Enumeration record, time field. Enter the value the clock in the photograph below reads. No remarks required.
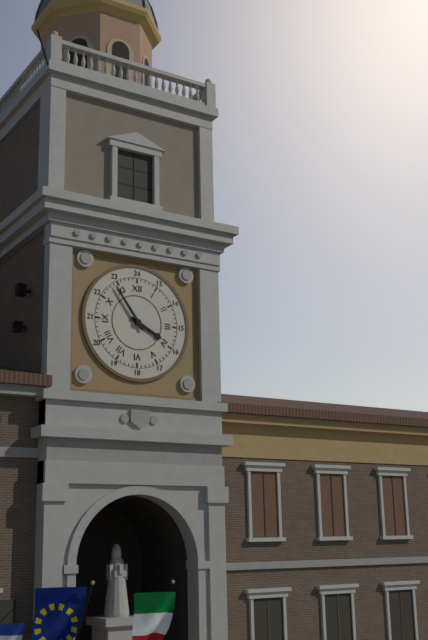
3:54
